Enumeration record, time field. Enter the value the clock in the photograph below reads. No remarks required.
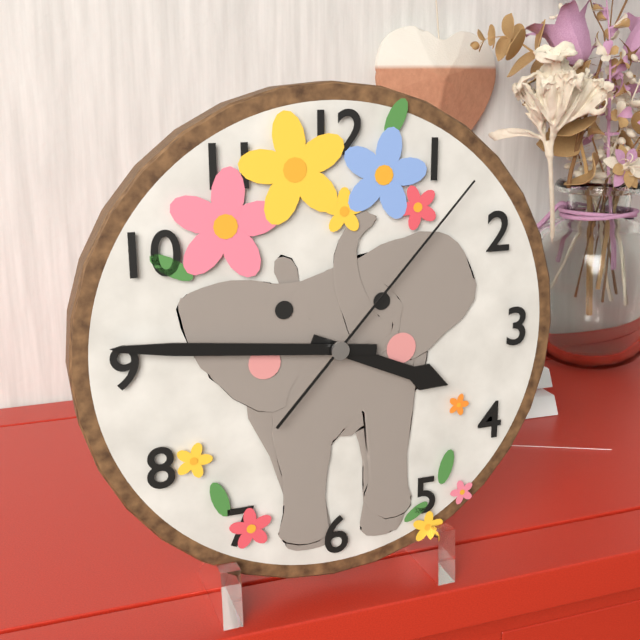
3:46:07
